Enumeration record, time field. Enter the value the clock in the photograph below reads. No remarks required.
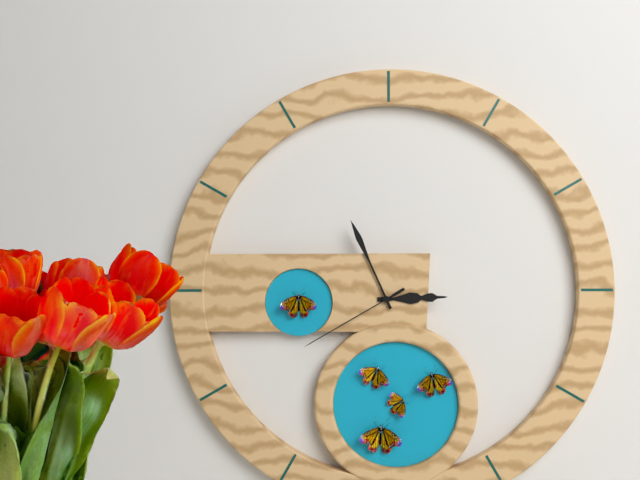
2:56:40
